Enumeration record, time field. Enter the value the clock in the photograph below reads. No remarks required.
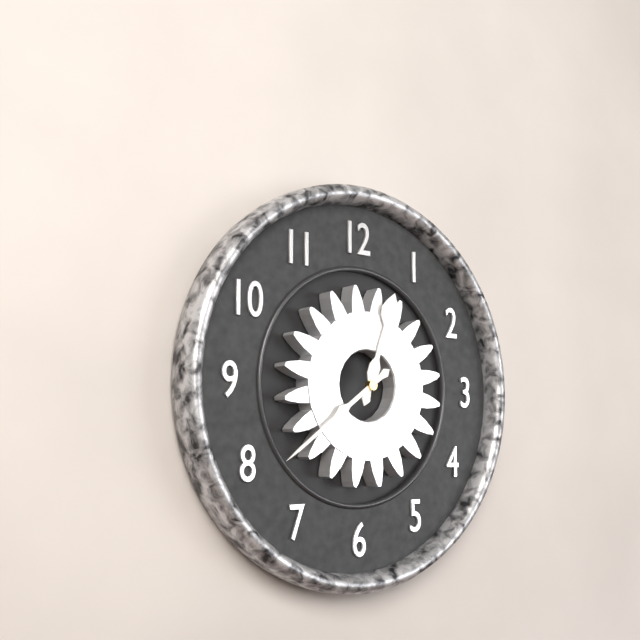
12:39
